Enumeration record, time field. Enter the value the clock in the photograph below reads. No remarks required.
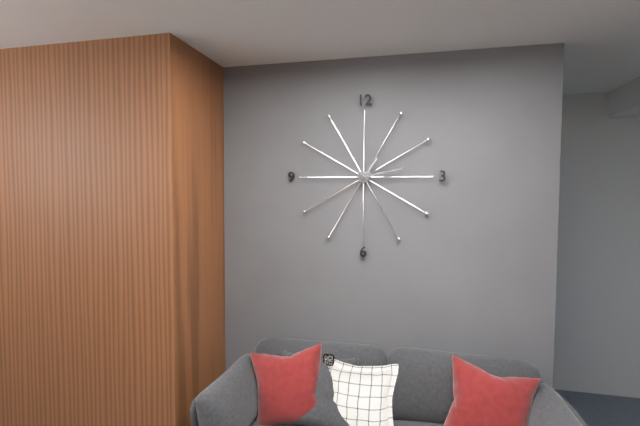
1:13
